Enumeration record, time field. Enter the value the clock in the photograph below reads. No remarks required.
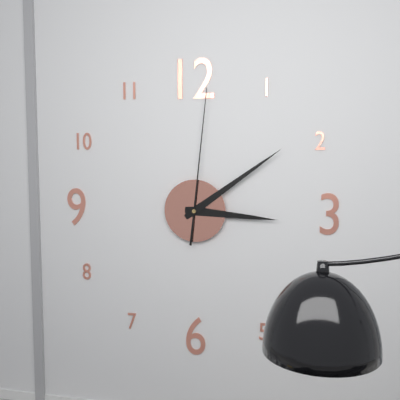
3:09:01
